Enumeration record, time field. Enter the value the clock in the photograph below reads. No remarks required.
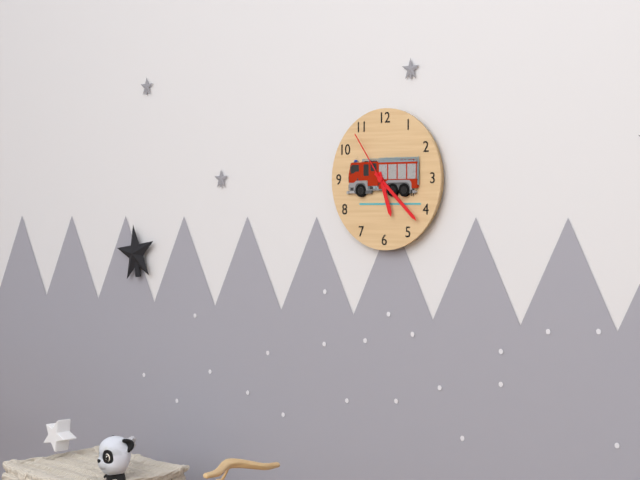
5:22:54
